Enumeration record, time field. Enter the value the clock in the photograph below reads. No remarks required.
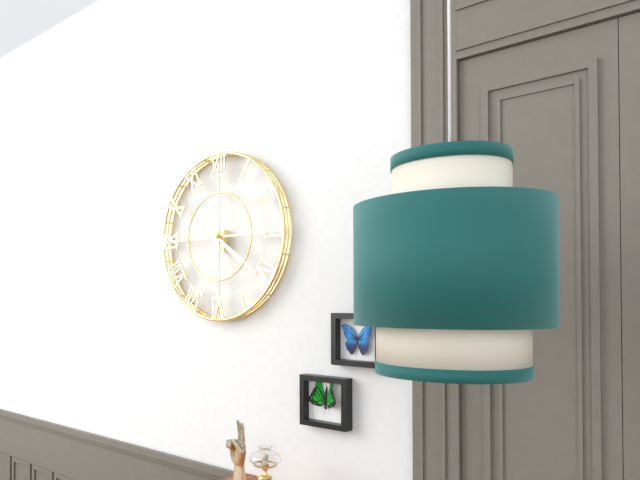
4:21
